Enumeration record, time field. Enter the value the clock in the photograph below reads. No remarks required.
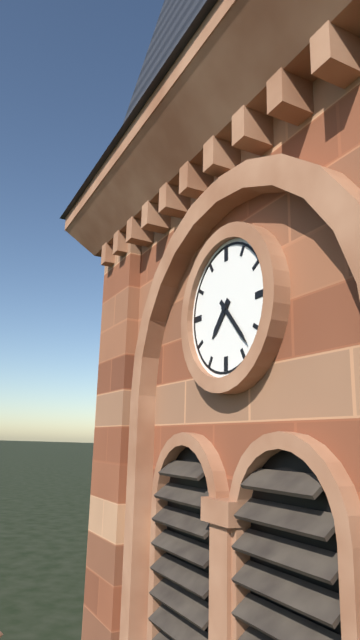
7:23
